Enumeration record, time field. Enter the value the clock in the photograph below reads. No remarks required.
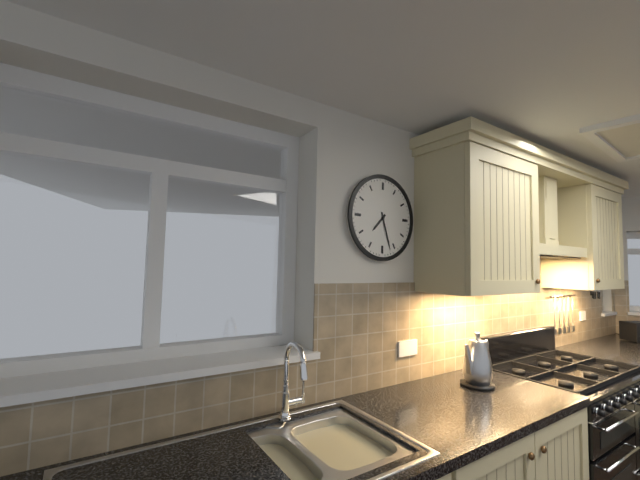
7:27
